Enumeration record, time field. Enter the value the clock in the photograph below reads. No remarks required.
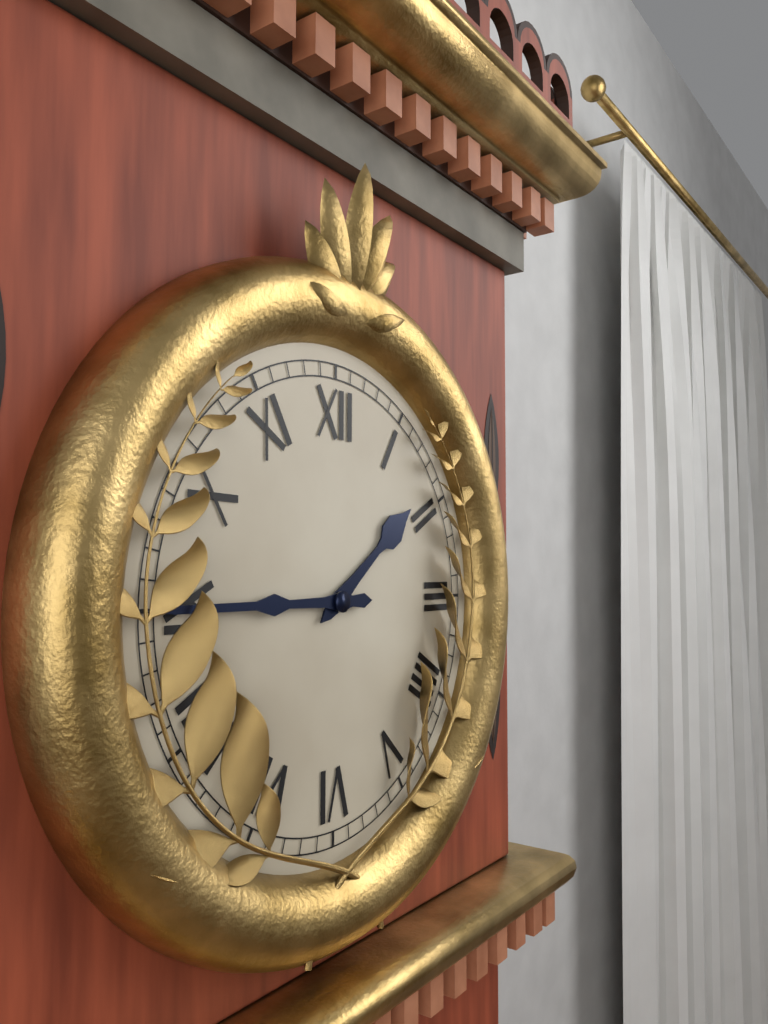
1:45
